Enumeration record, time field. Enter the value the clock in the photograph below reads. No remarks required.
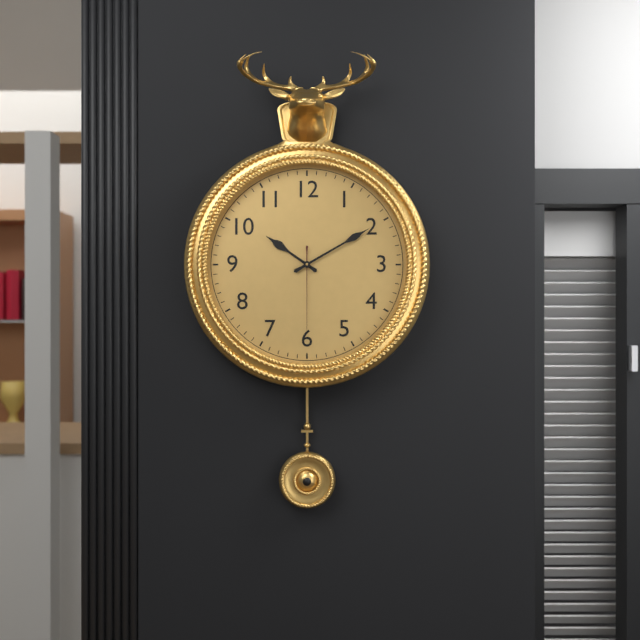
10:10:30
